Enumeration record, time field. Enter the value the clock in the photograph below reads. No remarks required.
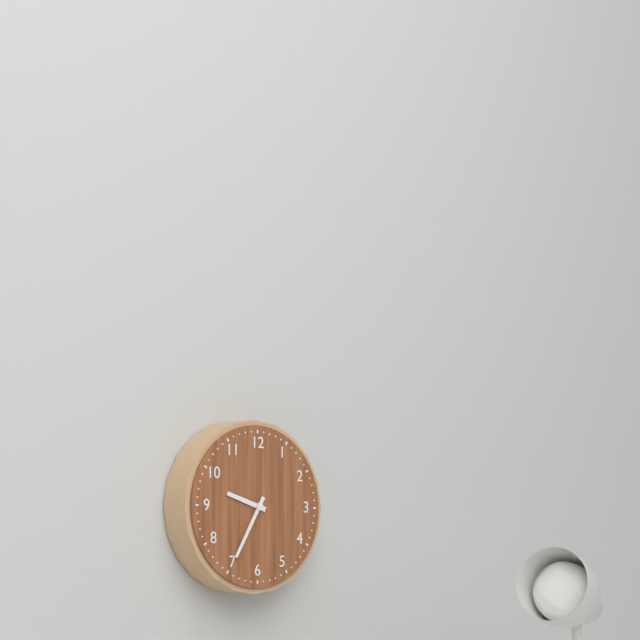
9:35
